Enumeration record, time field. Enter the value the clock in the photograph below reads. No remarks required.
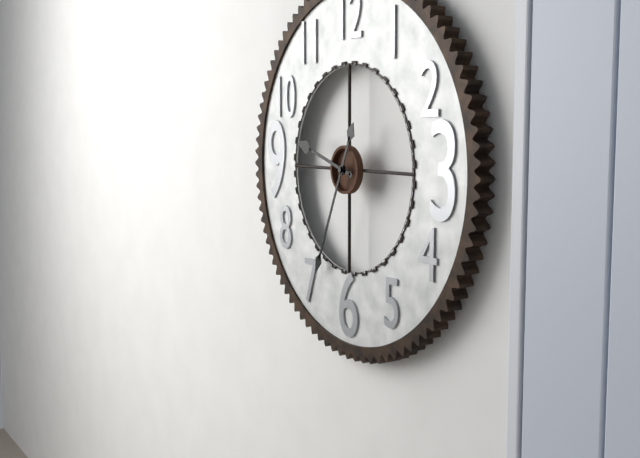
9:34
